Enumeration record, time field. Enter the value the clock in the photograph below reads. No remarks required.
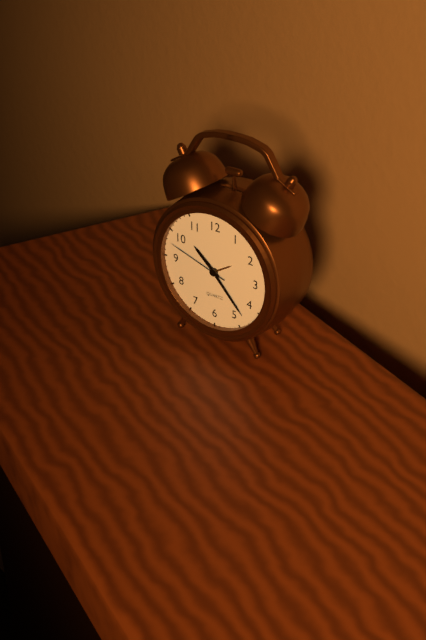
10:23:48
